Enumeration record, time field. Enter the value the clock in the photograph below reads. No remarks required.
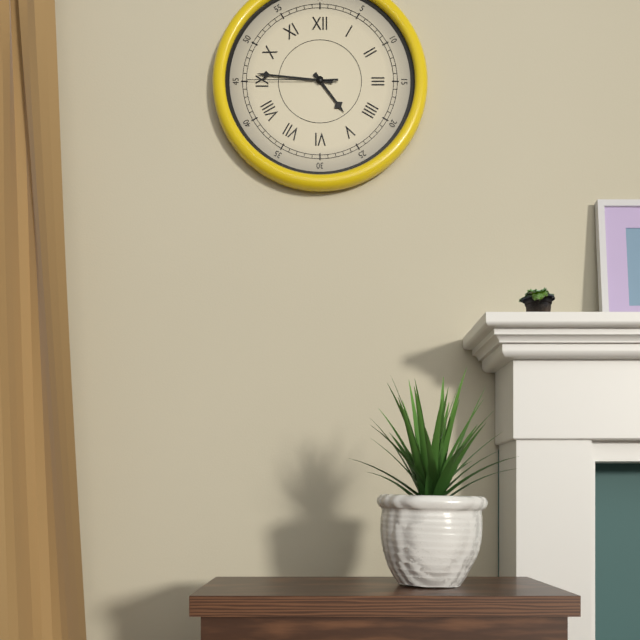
4:46:45
